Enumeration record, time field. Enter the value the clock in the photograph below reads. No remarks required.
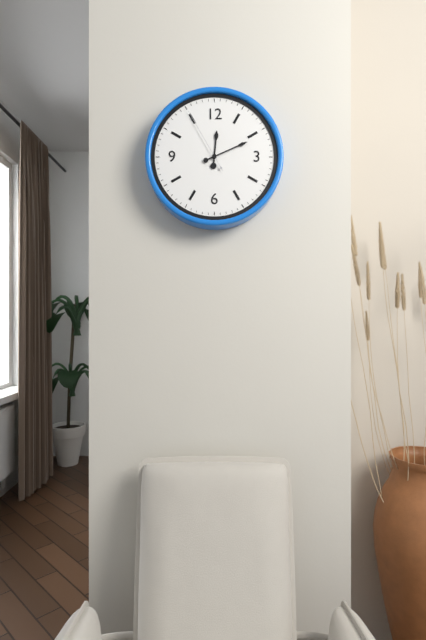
12:11:55
